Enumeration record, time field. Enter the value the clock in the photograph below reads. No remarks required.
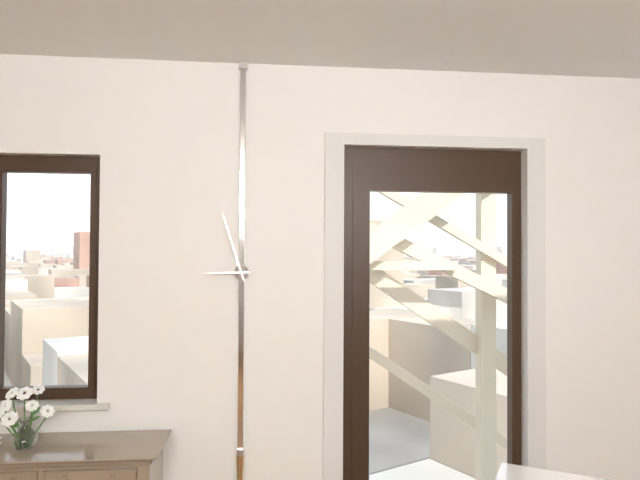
8:57
